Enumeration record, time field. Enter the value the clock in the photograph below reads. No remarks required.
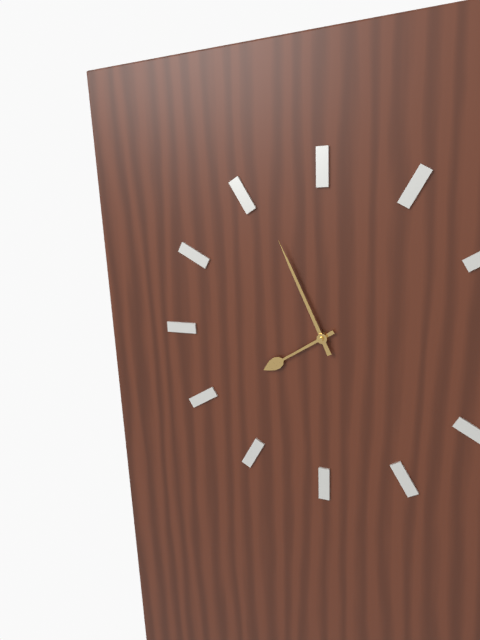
7:56
